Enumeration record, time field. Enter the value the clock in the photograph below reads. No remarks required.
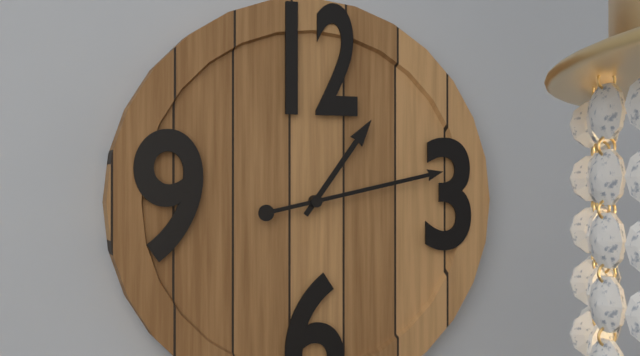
1:13
